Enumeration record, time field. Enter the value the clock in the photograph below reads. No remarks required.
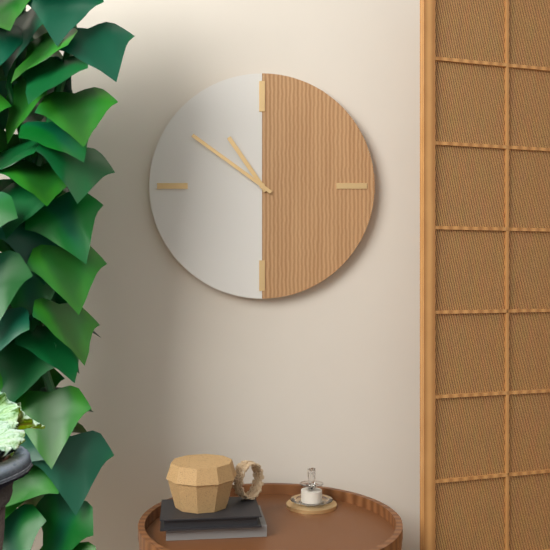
10:51
